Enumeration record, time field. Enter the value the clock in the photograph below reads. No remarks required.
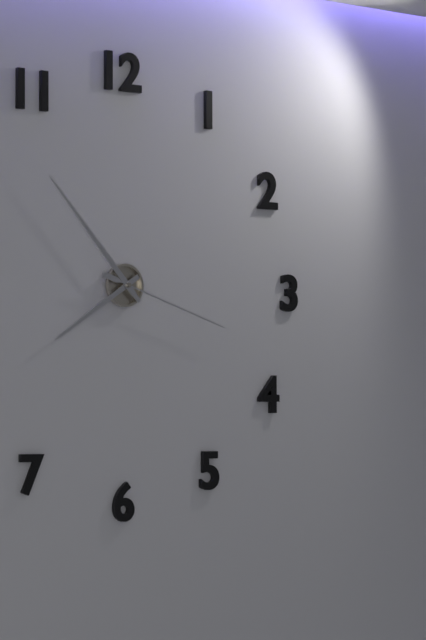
7:53:18
